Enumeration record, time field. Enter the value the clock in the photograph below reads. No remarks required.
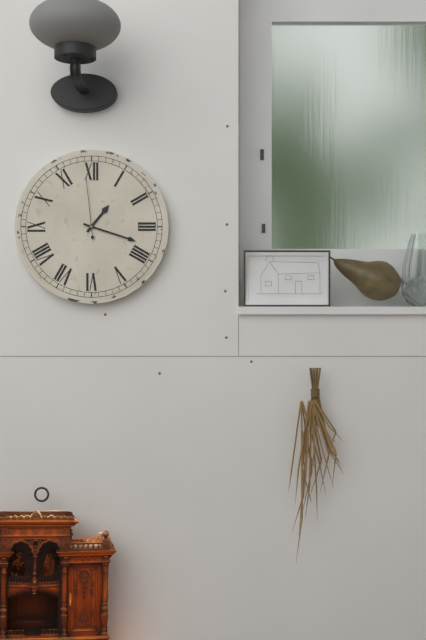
1:18:59
